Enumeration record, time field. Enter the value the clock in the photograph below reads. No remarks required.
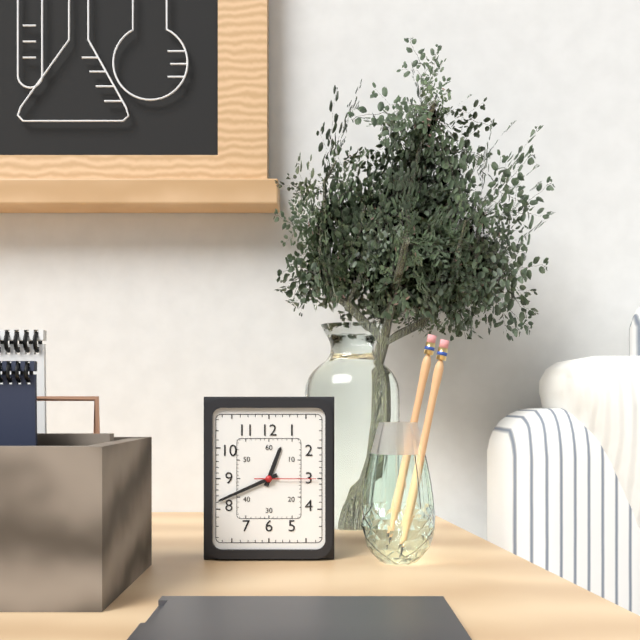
12:41:15
